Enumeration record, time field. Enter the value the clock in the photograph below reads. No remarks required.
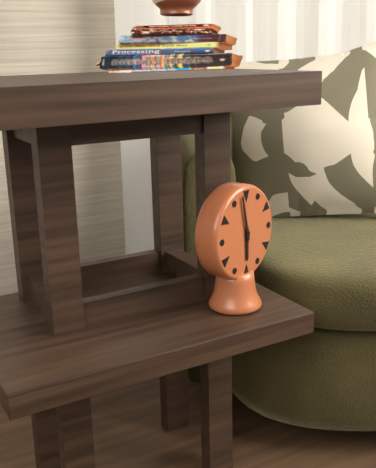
5:58
